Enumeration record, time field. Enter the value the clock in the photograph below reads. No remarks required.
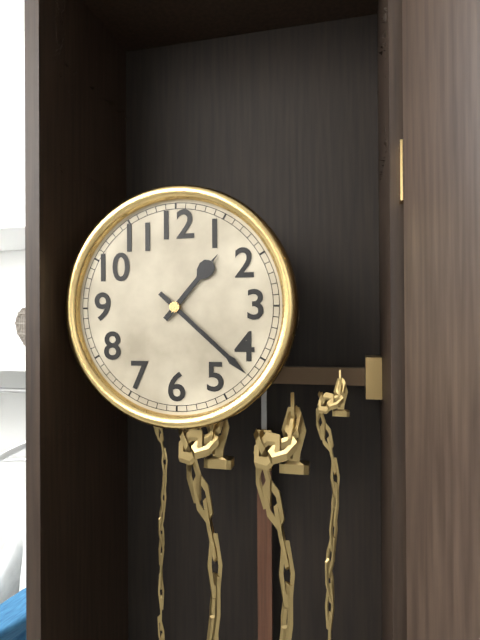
1:22
